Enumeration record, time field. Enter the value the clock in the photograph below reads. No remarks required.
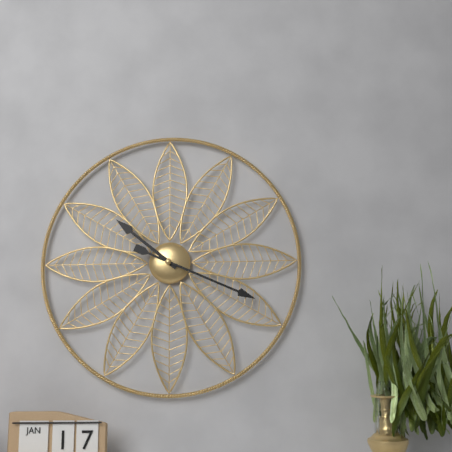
10:19
